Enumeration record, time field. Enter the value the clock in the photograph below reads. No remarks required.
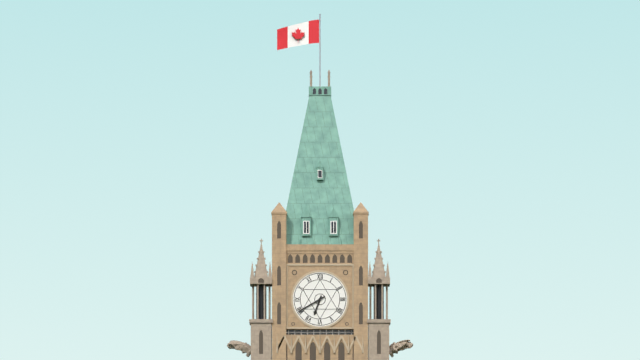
6:40
